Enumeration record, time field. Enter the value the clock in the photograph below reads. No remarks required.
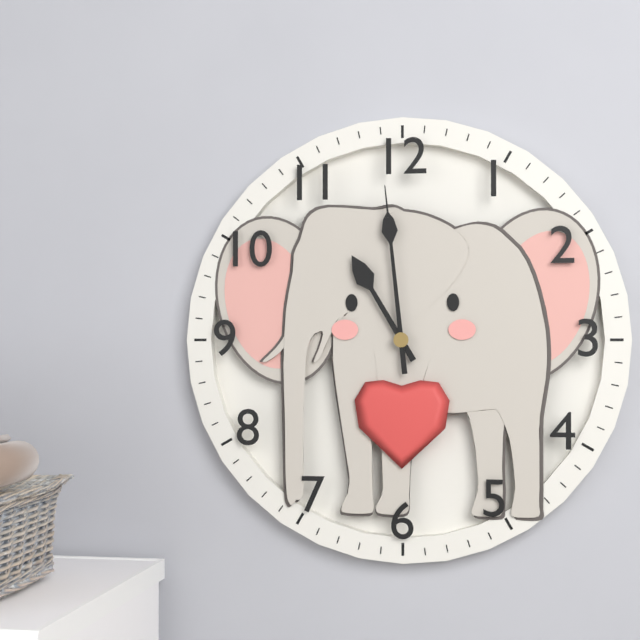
10:59
